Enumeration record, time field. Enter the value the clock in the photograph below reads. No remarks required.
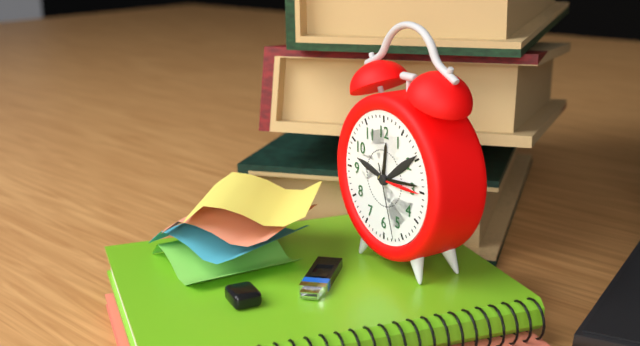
12:14:27
